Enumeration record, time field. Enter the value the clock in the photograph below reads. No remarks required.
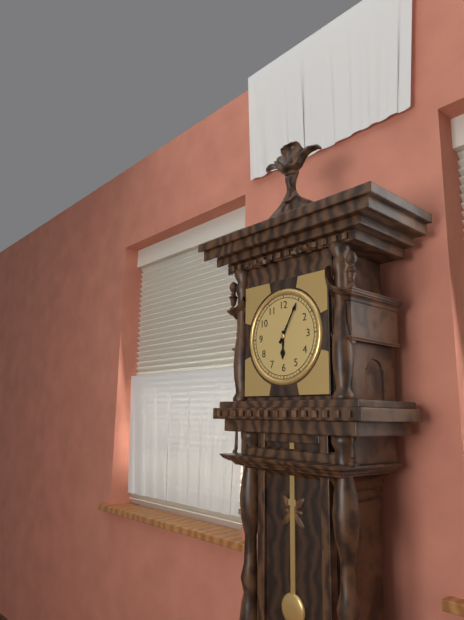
6:05
